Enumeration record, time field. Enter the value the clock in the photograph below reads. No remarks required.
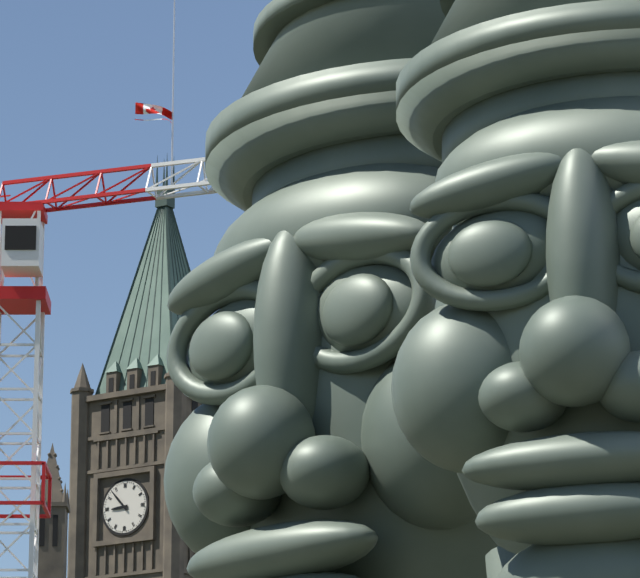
8:53
